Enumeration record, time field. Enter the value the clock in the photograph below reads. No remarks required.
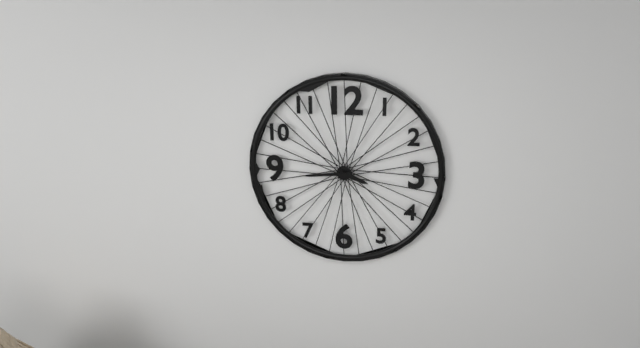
3:44
